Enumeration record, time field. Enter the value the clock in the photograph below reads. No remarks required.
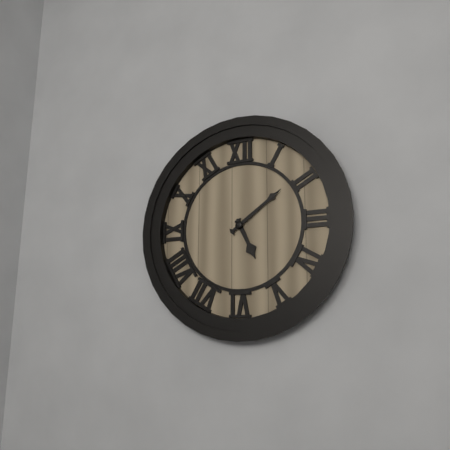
5:09
